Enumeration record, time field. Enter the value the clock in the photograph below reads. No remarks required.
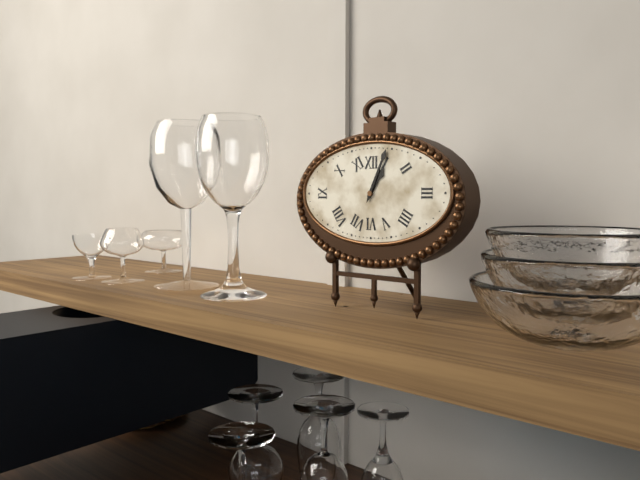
1:04
